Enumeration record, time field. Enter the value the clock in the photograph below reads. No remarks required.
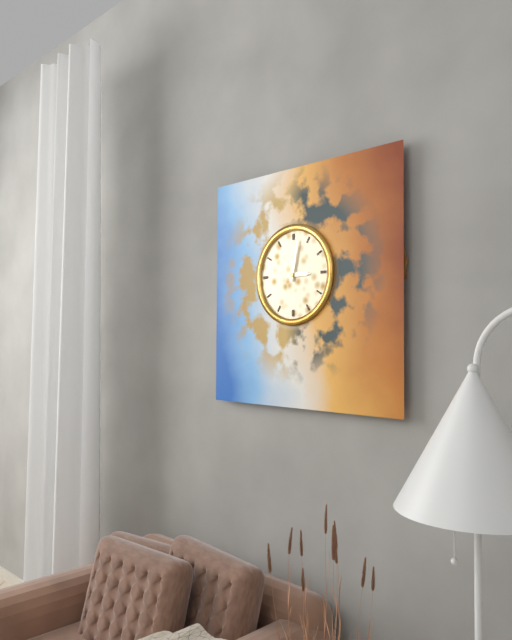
3:02
